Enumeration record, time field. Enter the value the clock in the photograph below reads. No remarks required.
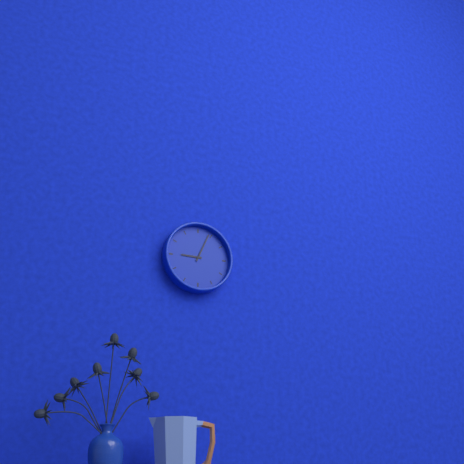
9:04
